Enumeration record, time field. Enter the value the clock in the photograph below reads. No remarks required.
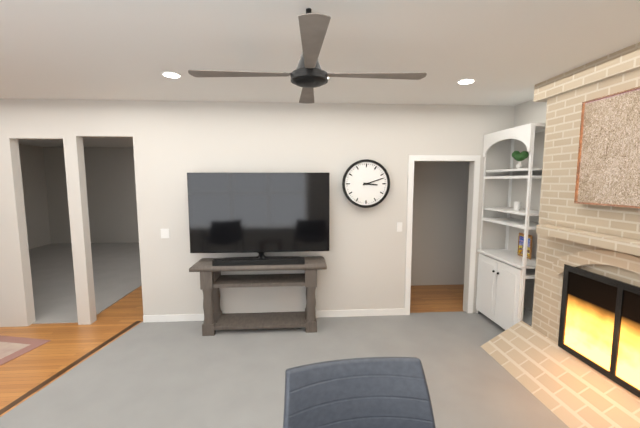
3:12
